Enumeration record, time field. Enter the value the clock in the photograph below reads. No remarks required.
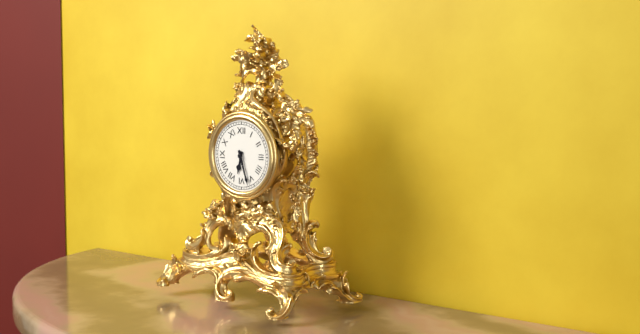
6:27
